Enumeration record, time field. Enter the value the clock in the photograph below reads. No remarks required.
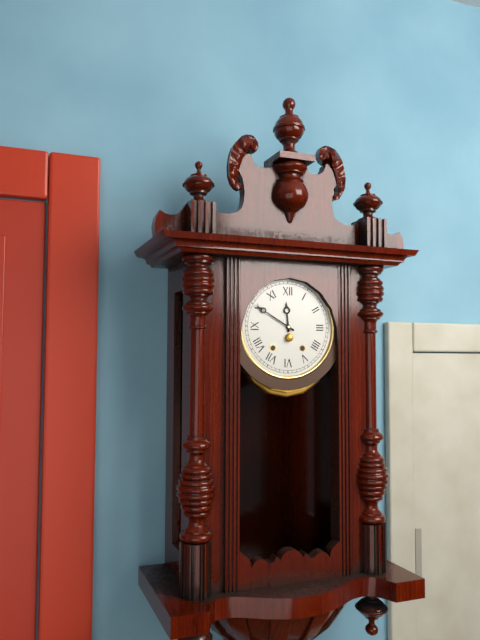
11:50
